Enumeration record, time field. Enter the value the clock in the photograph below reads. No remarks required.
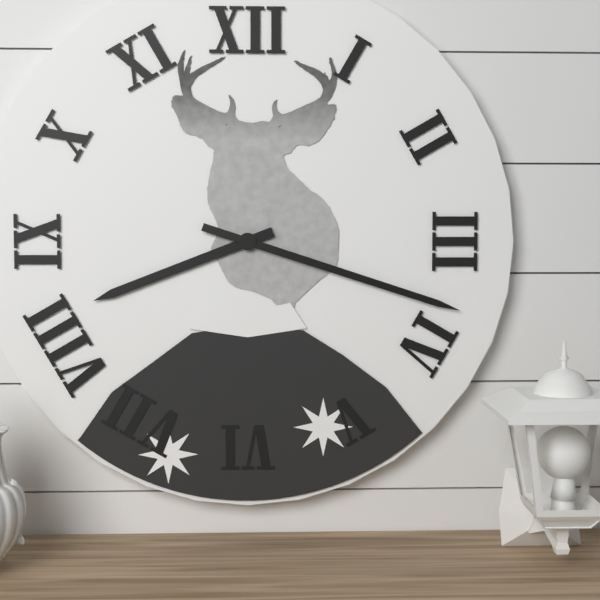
8:18
